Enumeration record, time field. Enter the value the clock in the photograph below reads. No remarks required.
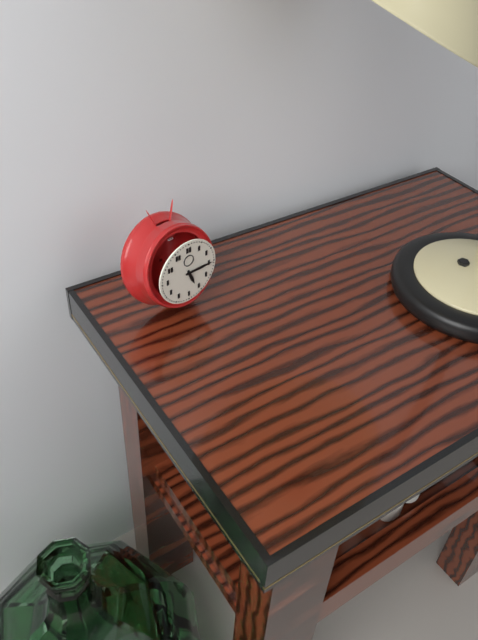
5:15
